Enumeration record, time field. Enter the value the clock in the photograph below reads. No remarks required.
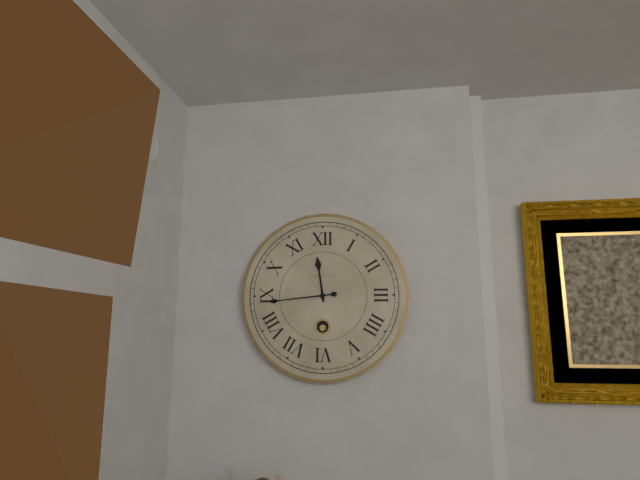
11:44
